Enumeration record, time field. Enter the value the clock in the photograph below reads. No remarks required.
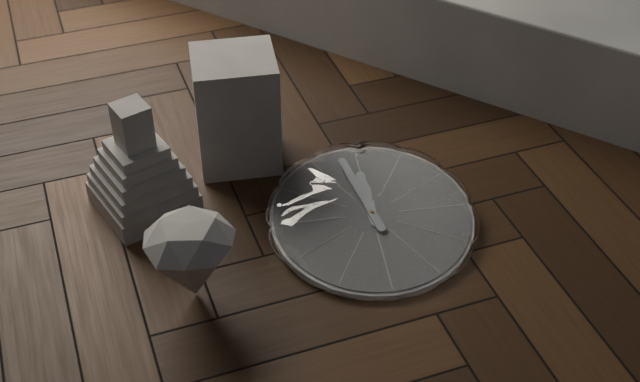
11:58
